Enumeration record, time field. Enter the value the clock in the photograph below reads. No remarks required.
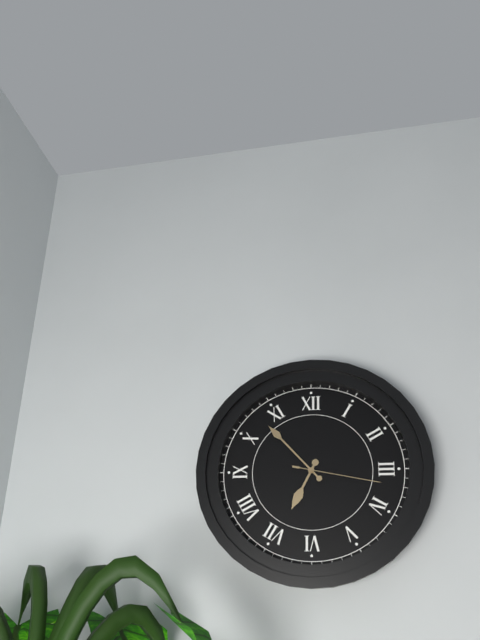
6:53:17
